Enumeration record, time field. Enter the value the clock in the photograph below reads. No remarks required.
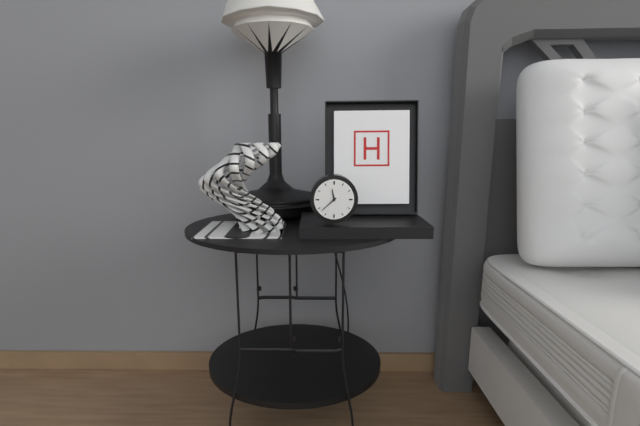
11:38
